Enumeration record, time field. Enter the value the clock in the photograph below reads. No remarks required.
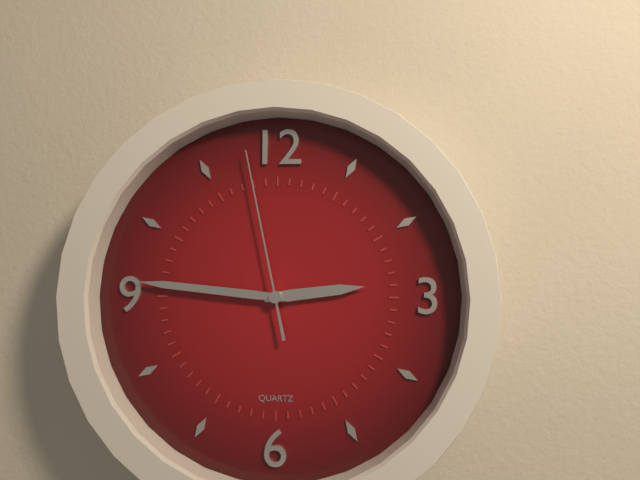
2:46:58
